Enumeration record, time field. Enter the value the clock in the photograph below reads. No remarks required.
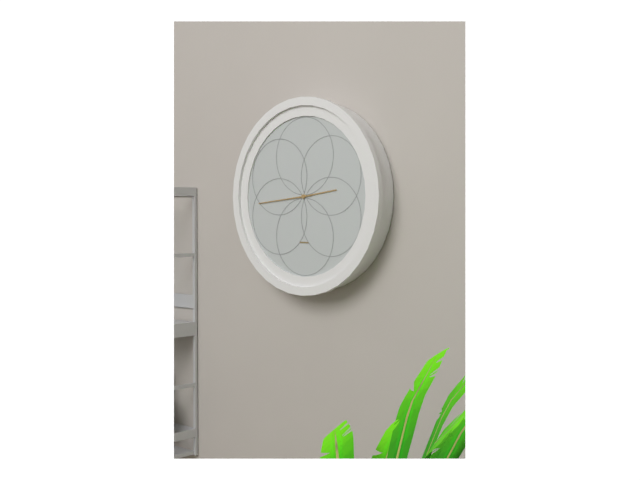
2:44
